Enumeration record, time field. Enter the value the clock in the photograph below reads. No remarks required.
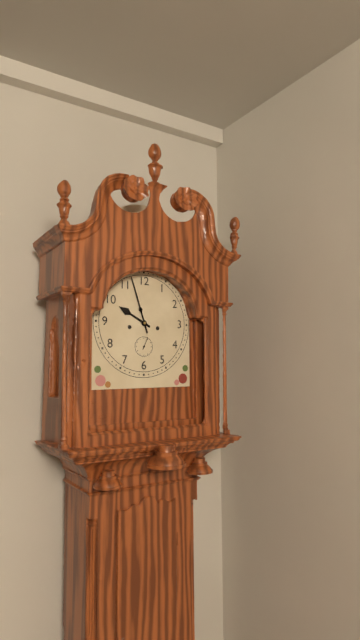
9:57
